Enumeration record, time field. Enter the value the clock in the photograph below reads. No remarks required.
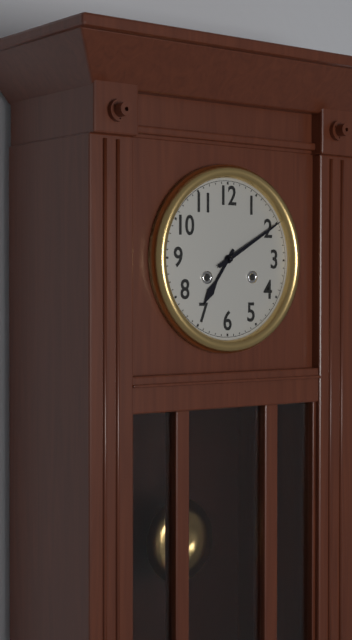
7:10
